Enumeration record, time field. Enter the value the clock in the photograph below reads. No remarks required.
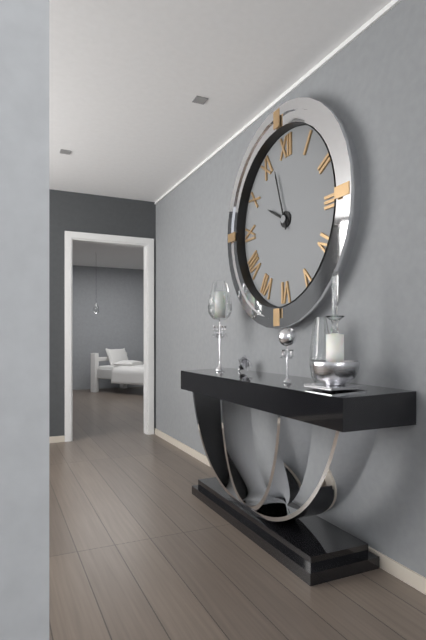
9:57
